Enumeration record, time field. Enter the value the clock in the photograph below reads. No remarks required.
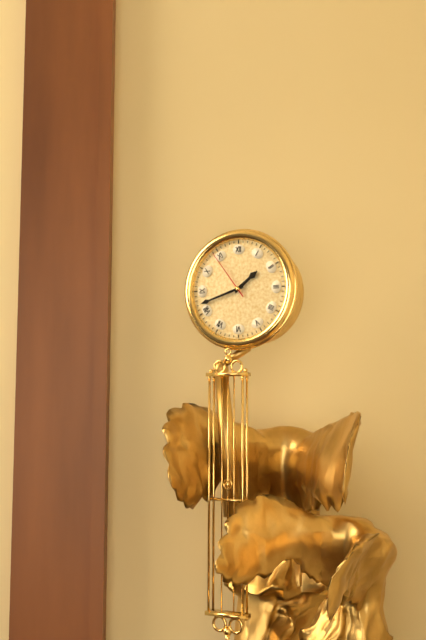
1:42:54
